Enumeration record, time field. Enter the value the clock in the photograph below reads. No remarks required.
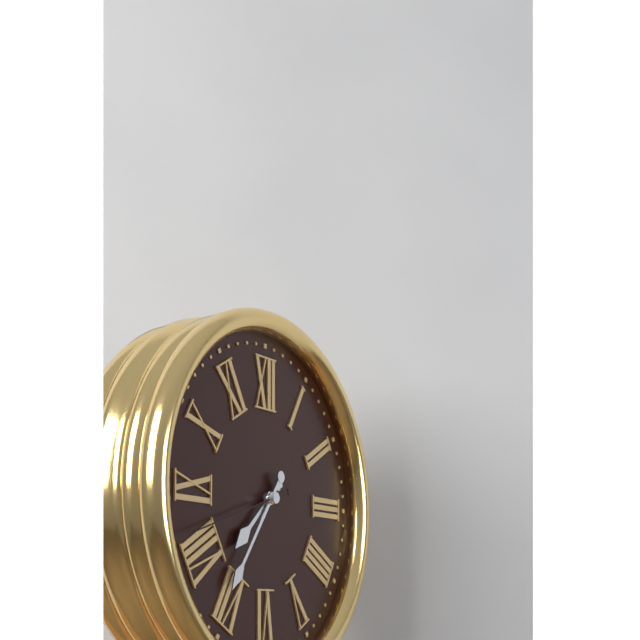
7:36:42
